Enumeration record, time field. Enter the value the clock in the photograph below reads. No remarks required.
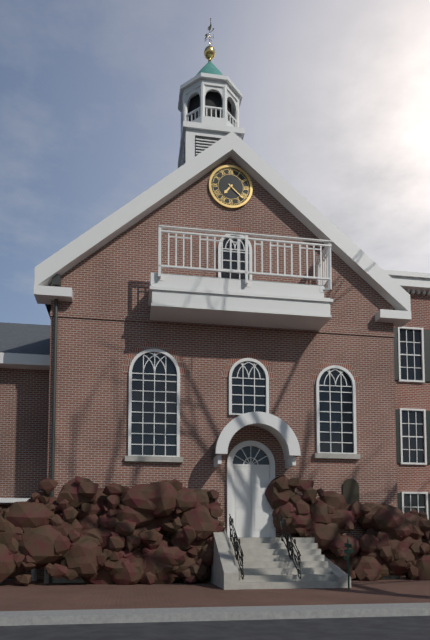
7:22
